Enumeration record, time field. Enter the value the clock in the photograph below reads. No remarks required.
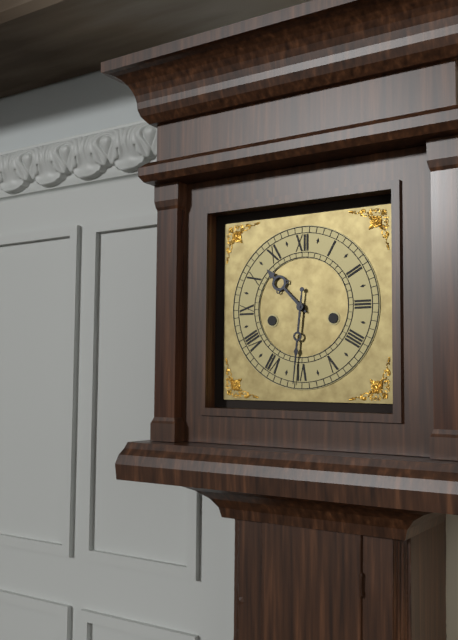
10:31
